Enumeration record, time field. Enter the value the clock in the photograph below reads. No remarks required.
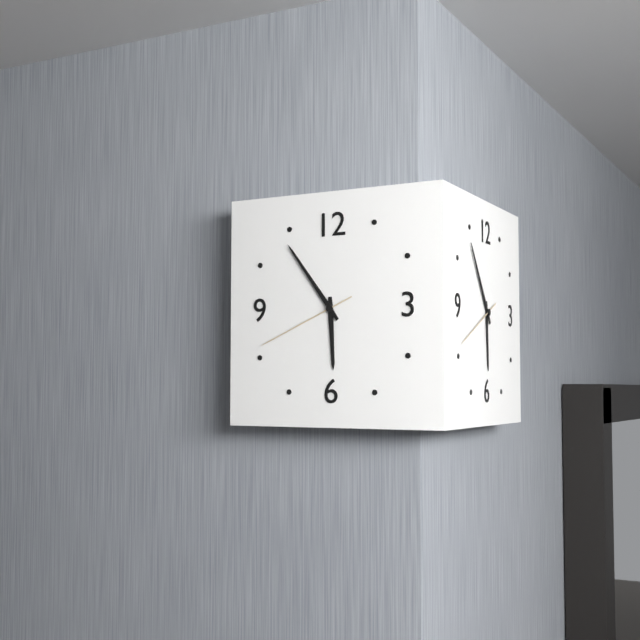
5:54:41
